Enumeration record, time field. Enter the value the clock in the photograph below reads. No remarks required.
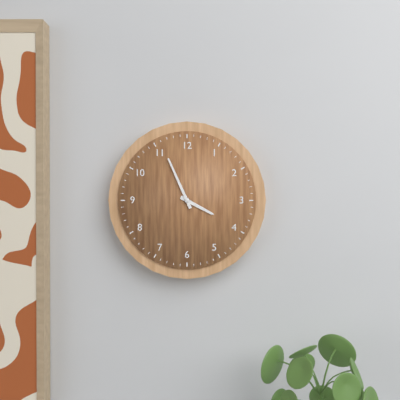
3:56
